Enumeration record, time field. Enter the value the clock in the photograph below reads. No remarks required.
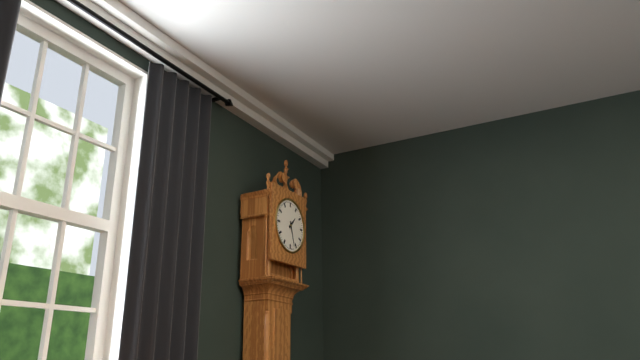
1:27
